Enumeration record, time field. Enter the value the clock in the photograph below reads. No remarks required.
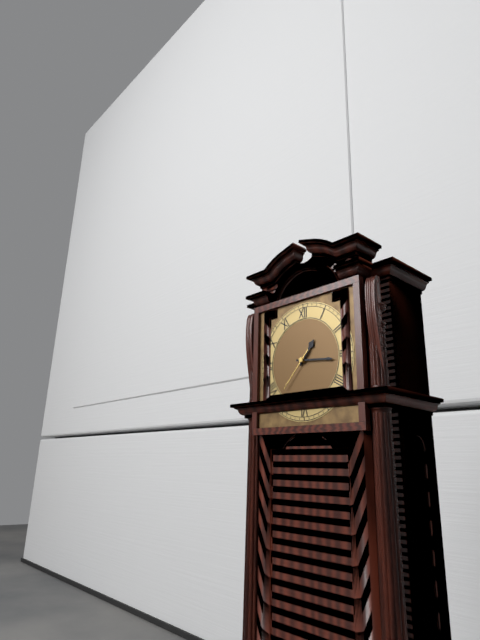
1:16
